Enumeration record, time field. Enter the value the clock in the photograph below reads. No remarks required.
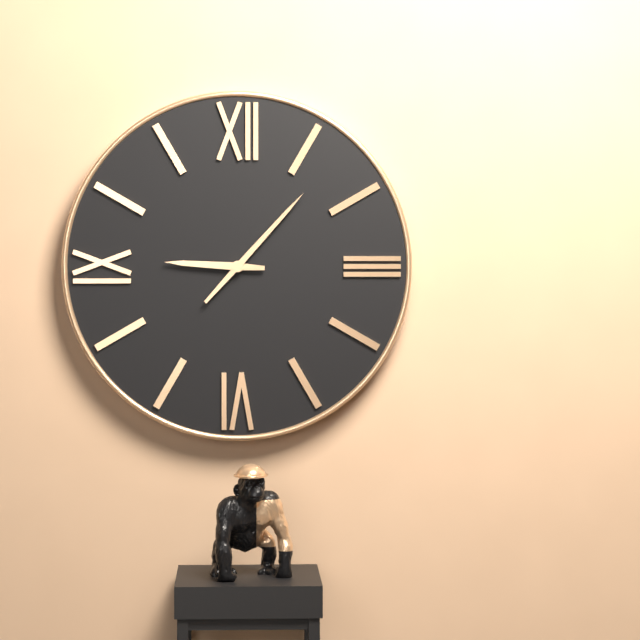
9:07
